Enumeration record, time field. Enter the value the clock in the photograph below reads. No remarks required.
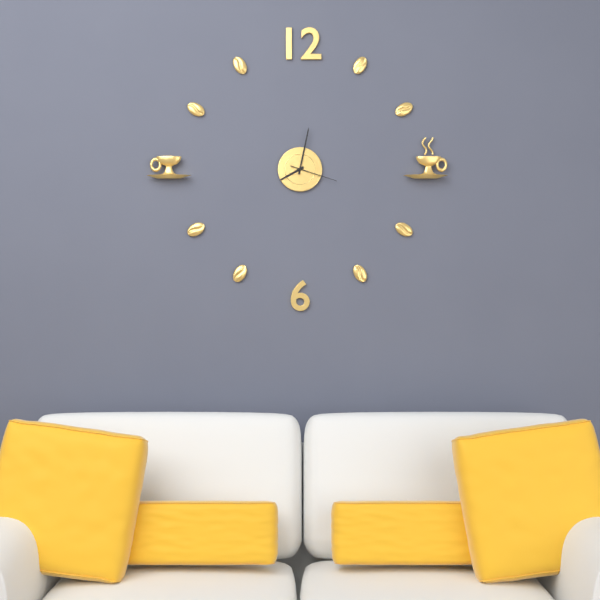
8:02
